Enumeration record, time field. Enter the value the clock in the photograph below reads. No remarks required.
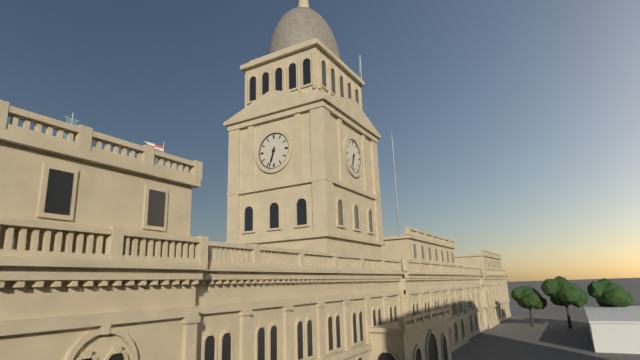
6:33
